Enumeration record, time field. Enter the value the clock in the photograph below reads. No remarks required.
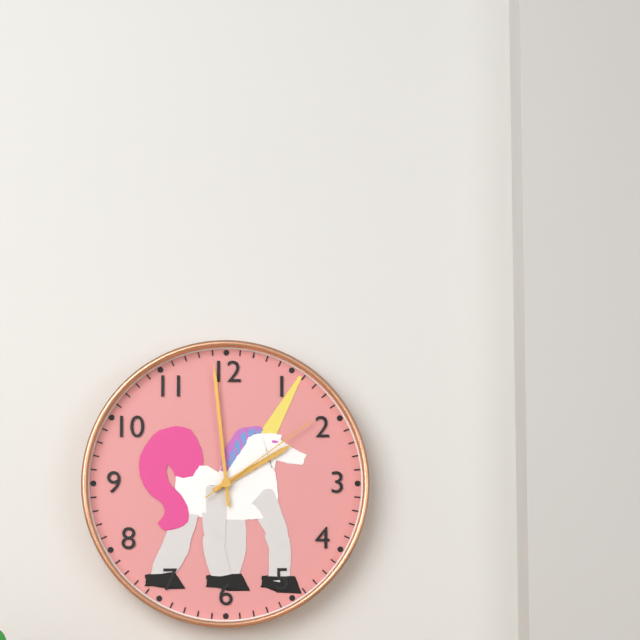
1:59:09
